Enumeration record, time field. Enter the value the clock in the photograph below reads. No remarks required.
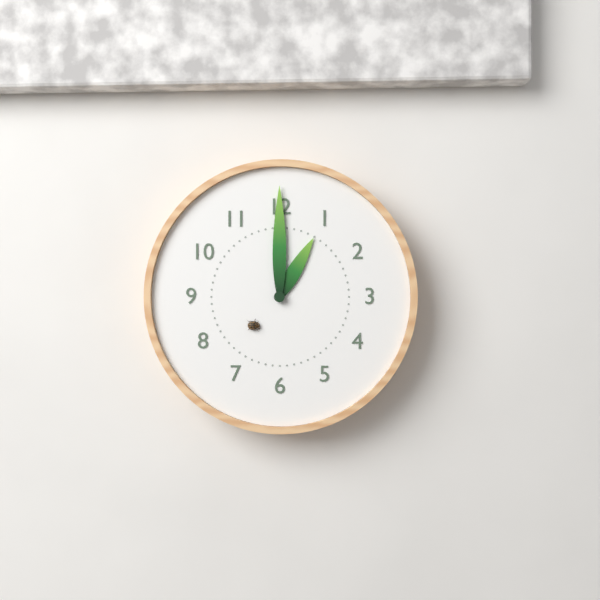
1:00
